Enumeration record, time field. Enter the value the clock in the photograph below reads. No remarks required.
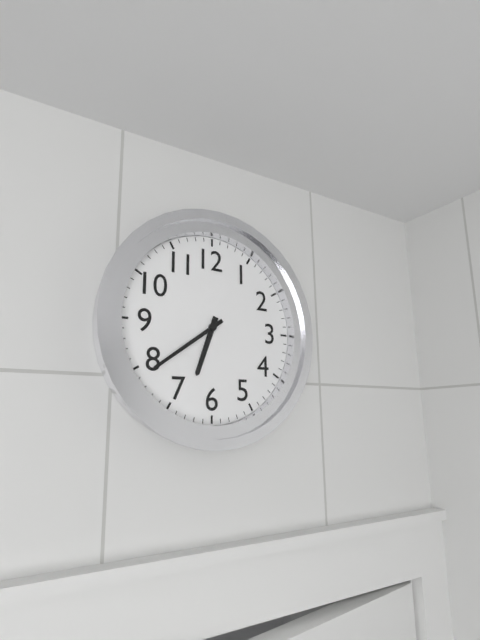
6:39
